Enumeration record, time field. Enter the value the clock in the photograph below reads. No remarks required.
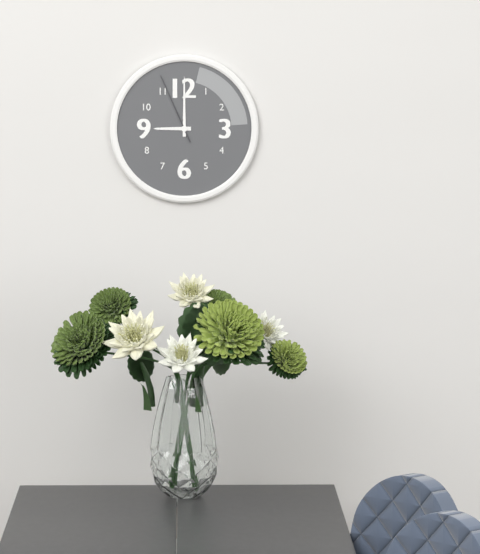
9:00:56
